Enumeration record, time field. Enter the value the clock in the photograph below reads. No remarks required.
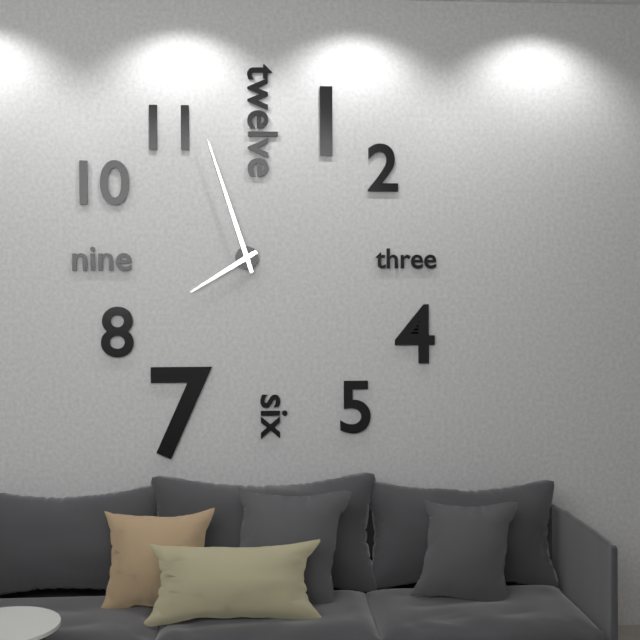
7:57
